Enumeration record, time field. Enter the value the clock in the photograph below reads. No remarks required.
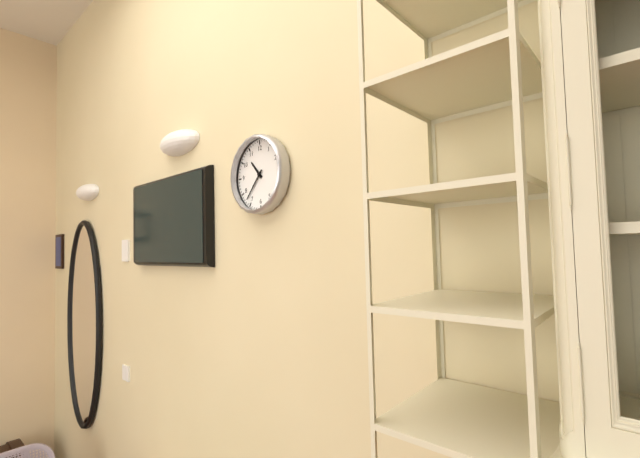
10:37
